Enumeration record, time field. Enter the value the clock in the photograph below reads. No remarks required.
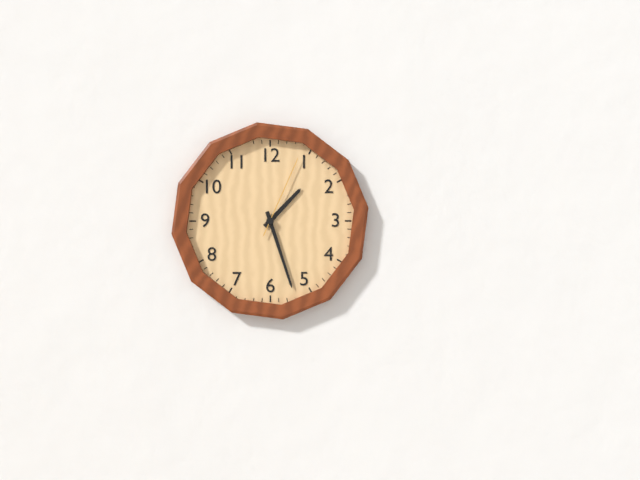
1:27:04
